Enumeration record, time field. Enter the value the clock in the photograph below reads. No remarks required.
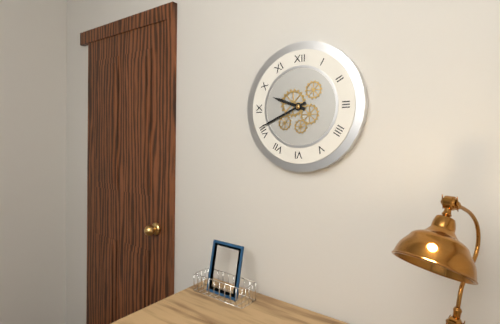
9:41
